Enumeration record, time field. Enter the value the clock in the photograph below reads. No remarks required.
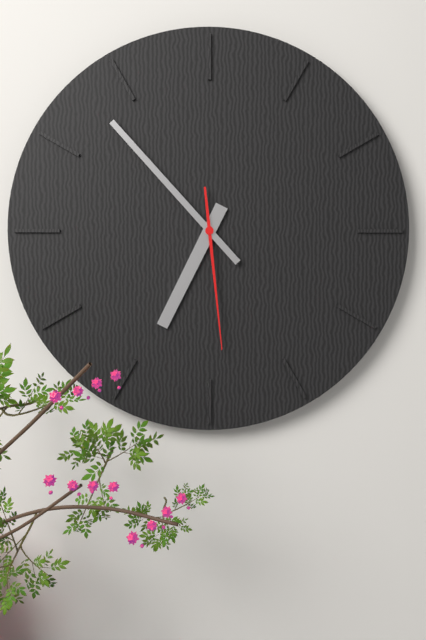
6:53:29
